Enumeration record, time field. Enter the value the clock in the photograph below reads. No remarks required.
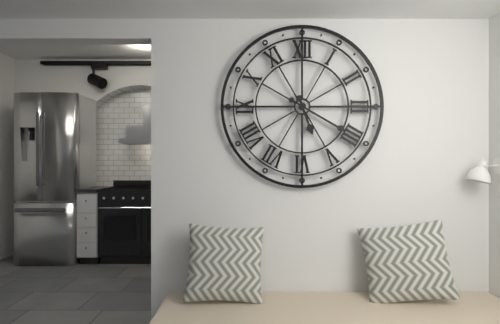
5:20
